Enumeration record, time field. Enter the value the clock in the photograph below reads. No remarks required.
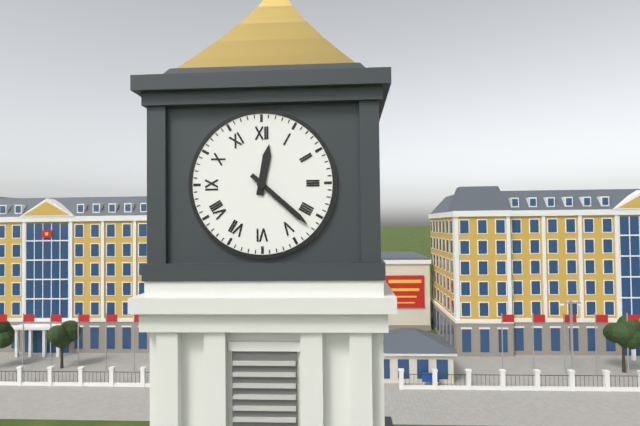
12:22
